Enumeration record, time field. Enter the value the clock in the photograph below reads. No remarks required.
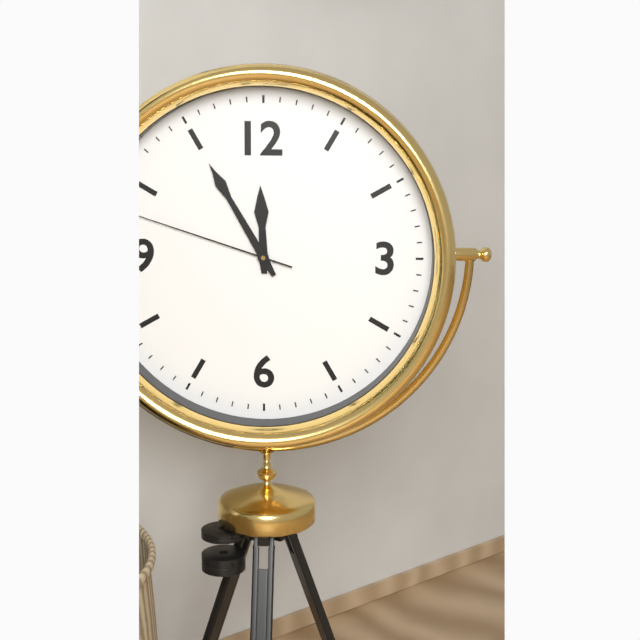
11:55:48
